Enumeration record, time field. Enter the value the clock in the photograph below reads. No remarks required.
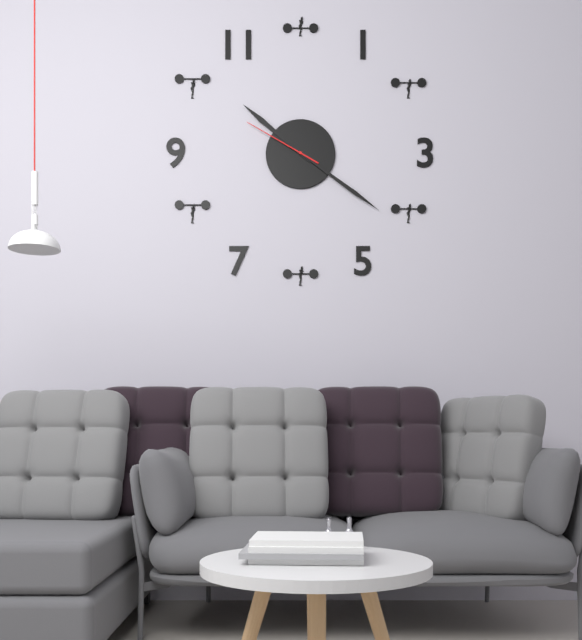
10:21:50
